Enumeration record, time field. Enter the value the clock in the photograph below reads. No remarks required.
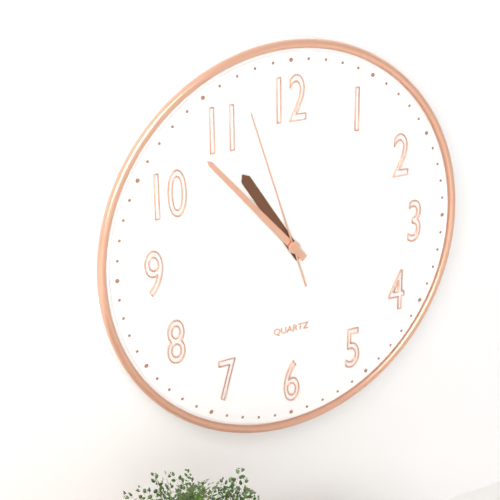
10:53:57
